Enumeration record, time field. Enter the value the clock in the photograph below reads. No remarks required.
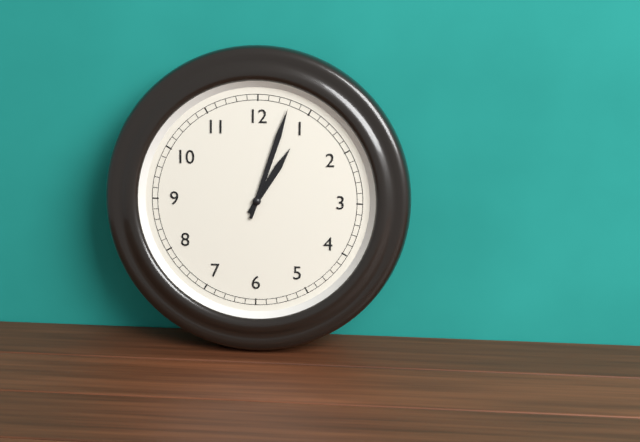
1:03
